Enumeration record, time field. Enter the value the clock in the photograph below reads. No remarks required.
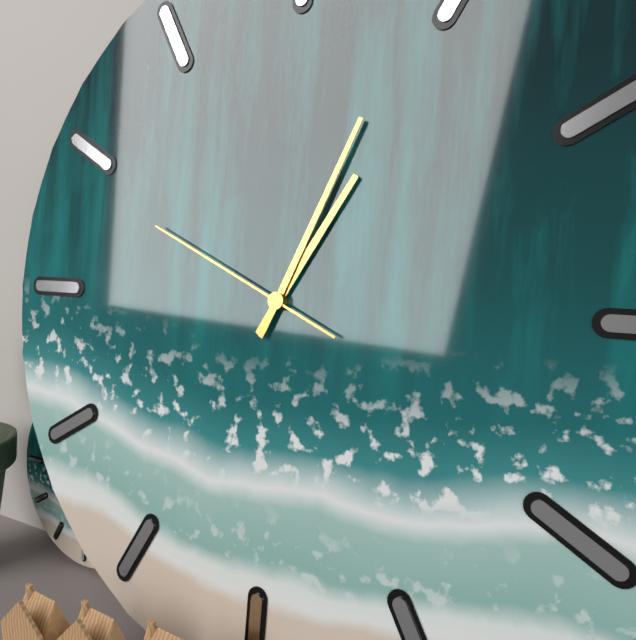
1:04:49
